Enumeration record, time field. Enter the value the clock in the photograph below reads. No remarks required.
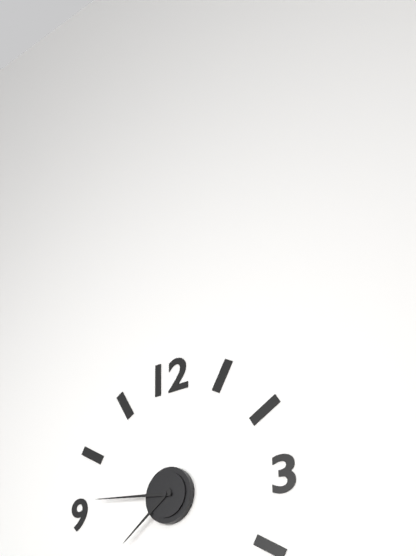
7:46
